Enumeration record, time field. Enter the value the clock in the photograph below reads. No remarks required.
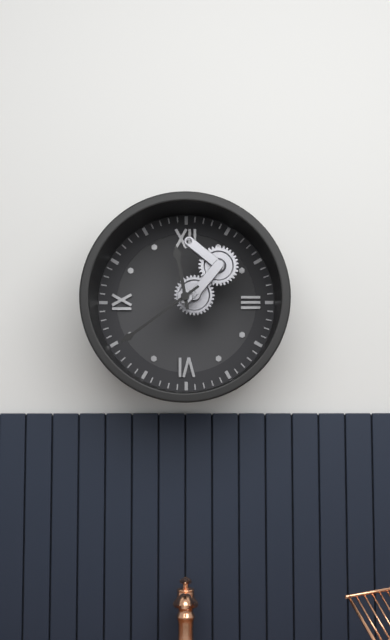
11:39
